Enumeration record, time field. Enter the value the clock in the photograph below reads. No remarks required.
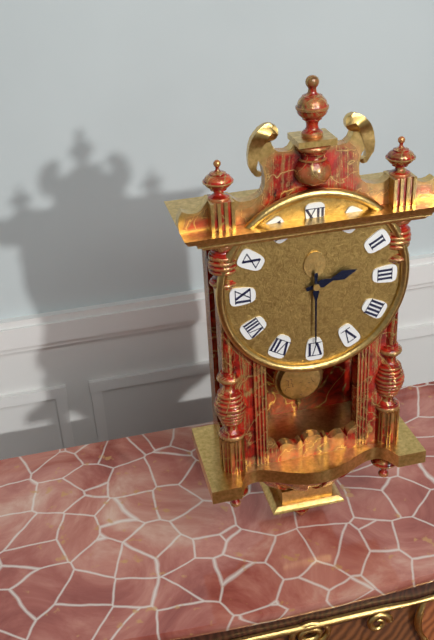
2:30
